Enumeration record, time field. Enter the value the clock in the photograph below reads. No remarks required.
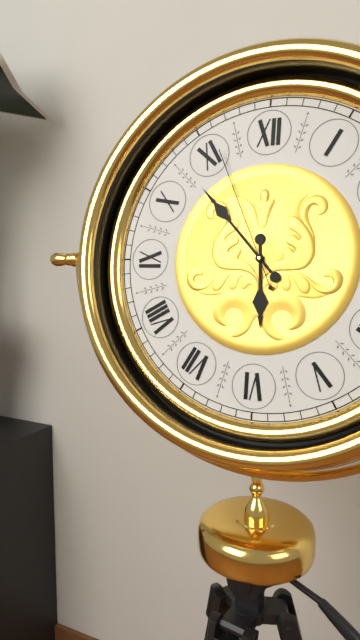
5:53:56
